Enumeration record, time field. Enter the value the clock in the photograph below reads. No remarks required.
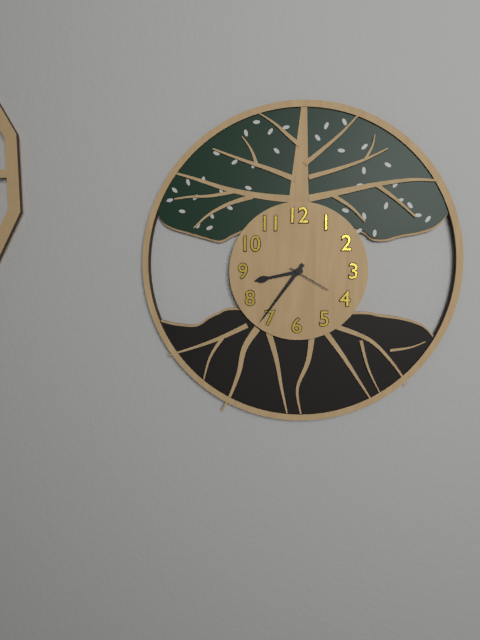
8:36
